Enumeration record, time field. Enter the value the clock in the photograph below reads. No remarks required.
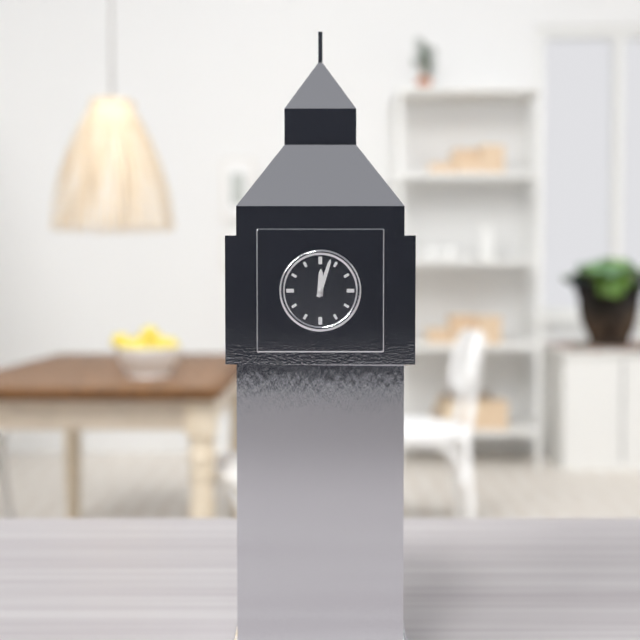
12:03
